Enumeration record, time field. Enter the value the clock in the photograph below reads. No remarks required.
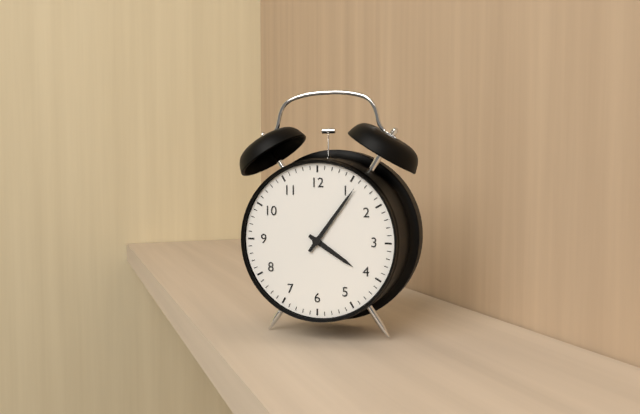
4:06
